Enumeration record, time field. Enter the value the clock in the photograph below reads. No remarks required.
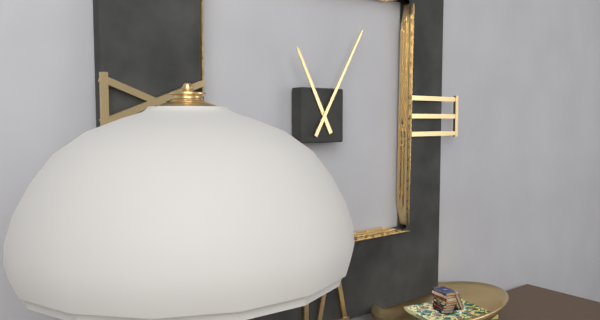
11:05
